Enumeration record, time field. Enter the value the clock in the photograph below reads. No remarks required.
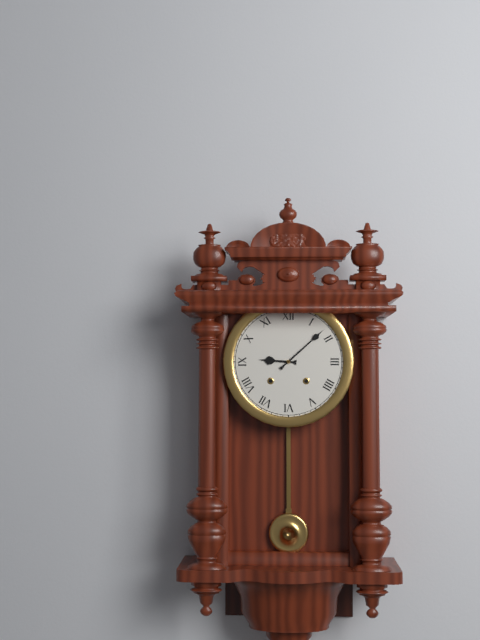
9:08
